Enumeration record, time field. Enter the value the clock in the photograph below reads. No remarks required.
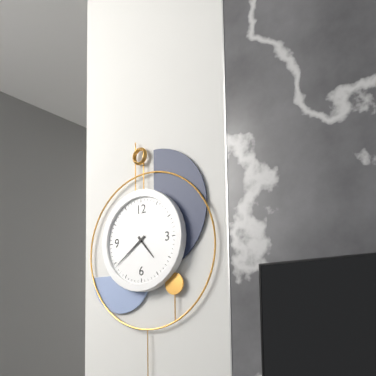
4:39
